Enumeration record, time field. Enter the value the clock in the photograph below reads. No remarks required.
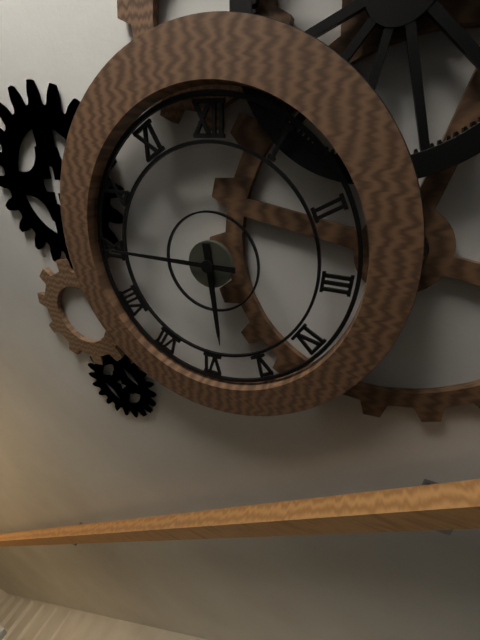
5:45
